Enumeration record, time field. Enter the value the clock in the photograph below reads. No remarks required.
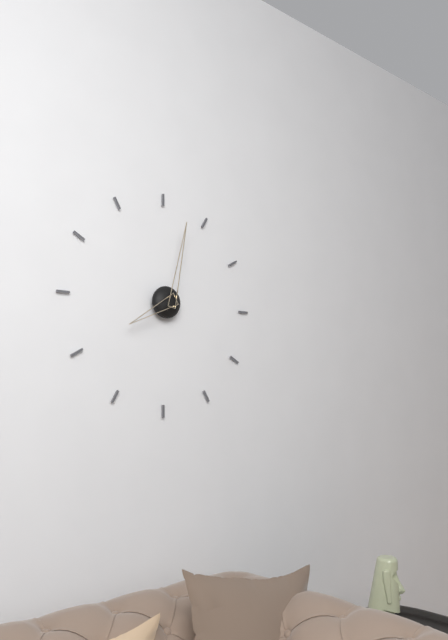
8:02
